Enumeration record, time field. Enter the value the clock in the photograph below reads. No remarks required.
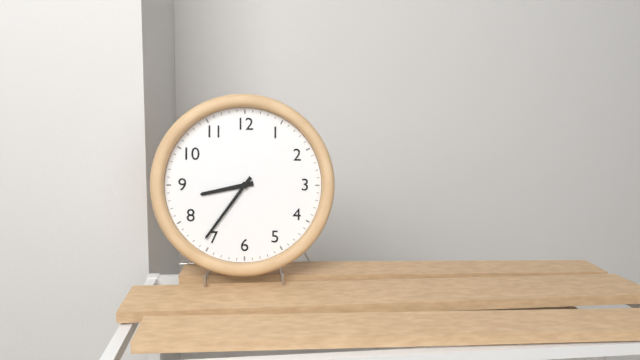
8:36
